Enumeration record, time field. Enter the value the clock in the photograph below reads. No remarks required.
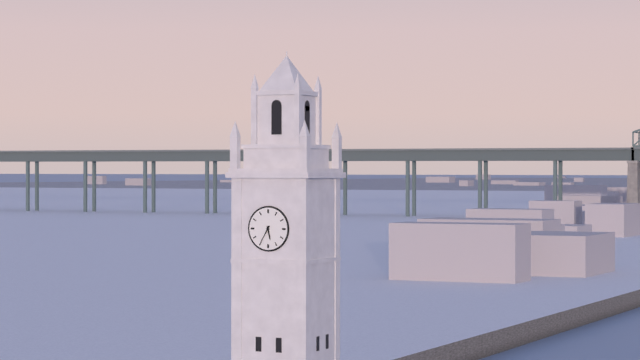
5:35
